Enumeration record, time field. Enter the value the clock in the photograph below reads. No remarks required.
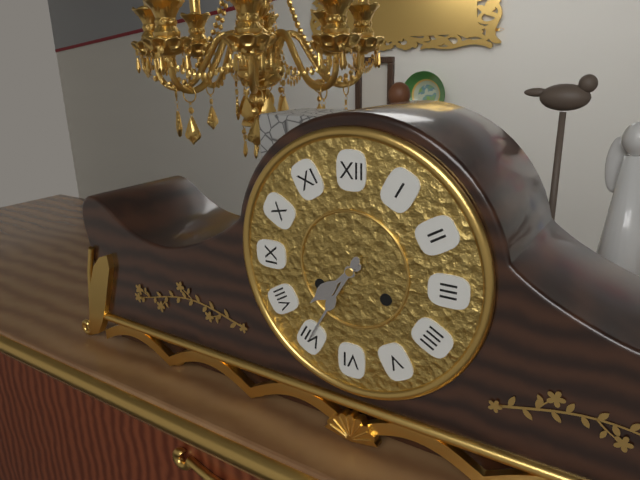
7:35
